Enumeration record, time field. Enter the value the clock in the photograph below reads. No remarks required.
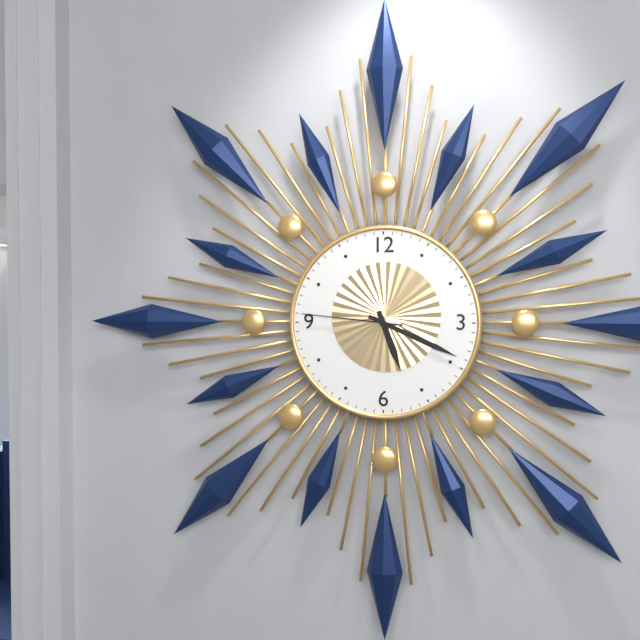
5:19:46
